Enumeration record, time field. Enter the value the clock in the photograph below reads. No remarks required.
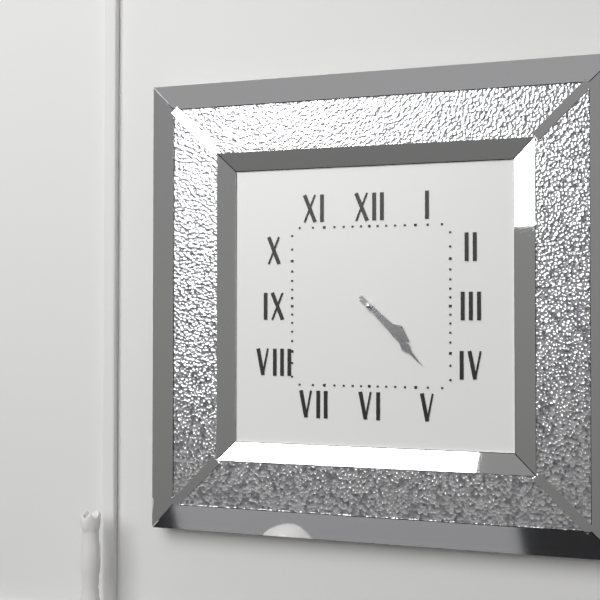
4:23
